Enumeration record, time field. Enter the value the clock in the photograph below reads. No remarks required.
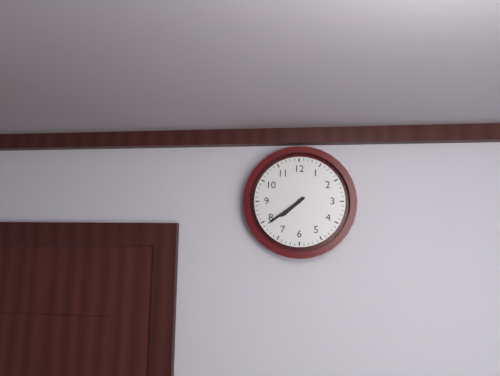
7:39
